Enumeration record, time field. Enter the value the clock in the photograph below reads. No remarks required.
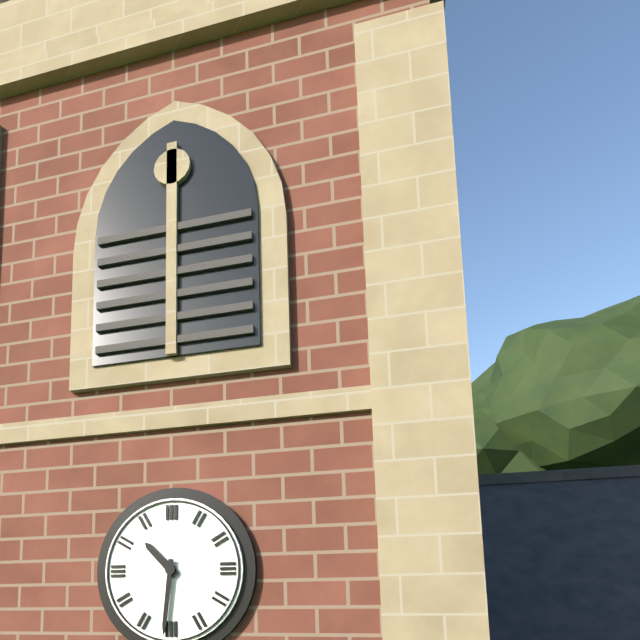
10:31
